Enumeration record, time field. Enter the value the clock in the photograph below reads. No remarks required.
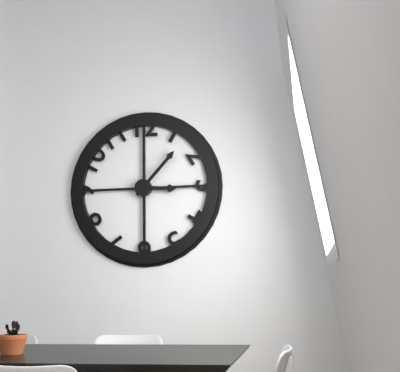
3:07
